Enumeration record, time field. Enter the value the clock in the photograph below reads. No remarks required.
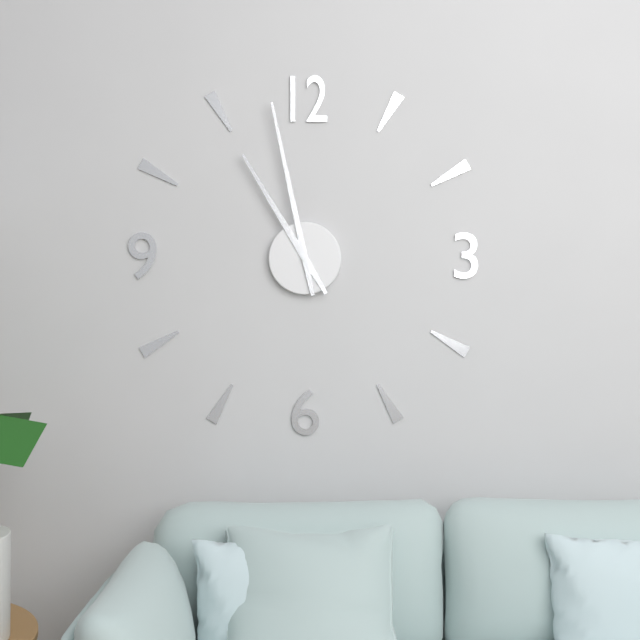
10:58
